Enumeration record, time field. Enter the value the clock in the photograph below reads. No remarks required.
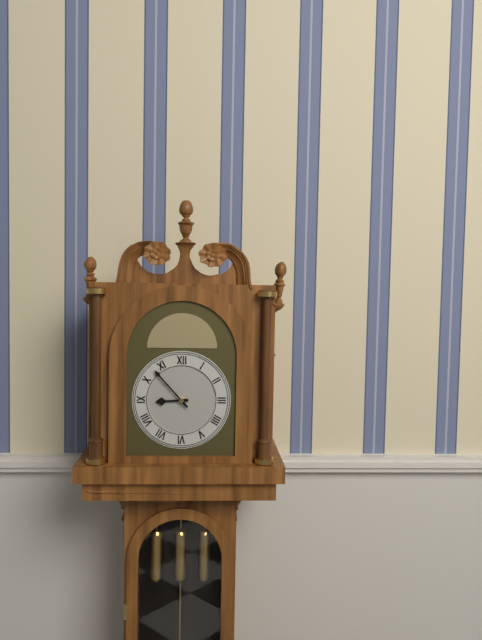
8:53
